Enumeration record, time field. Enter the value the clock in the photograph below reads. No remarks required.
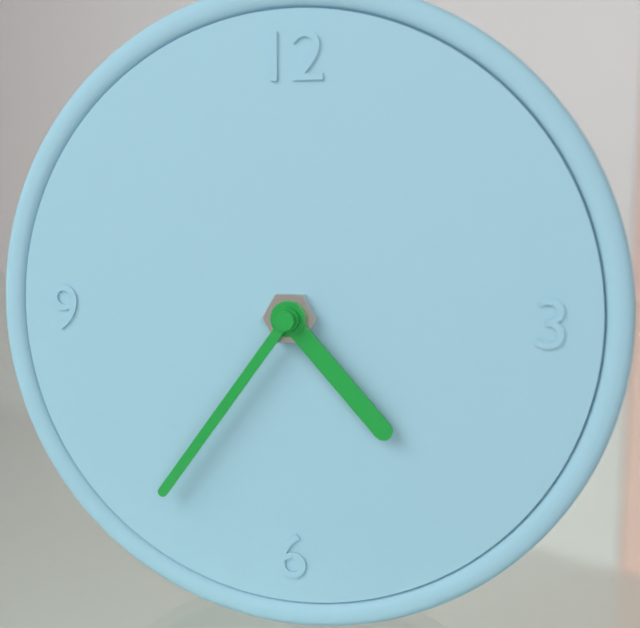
4:36
